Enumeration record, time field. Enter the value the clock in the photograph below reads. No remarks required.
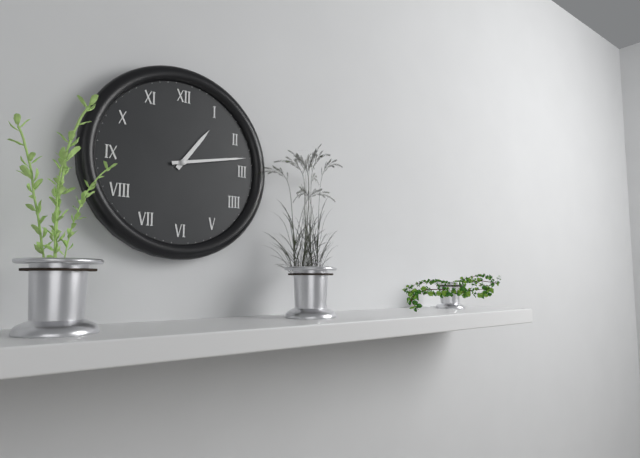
1:13
